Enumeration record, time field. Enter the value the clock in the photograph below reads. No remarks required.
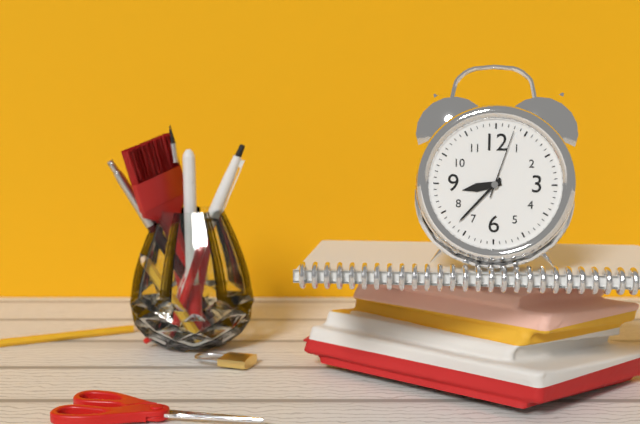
8:37:03
